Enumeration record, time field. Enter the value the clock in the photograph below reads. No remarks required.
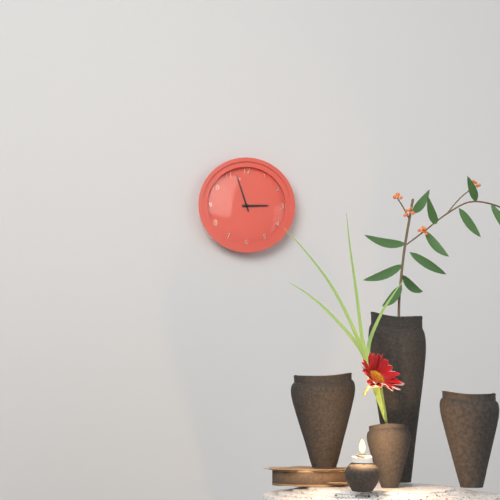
2:57
